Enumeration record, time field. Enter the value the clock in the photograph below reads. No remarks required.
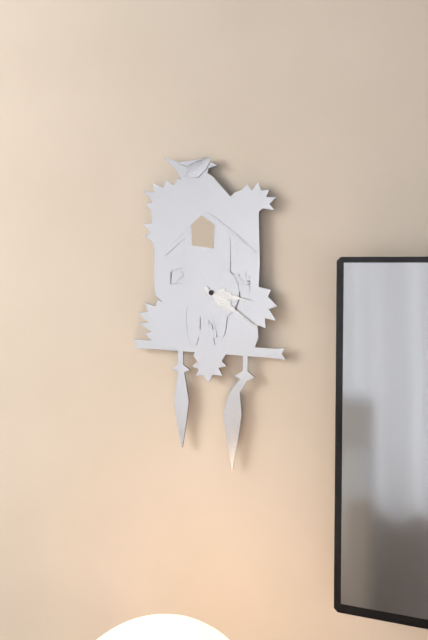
3:21
